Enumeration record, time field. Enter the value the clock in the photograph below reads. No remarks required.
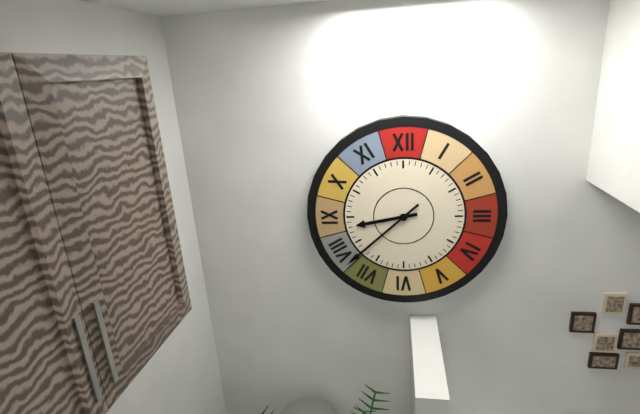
8:38
